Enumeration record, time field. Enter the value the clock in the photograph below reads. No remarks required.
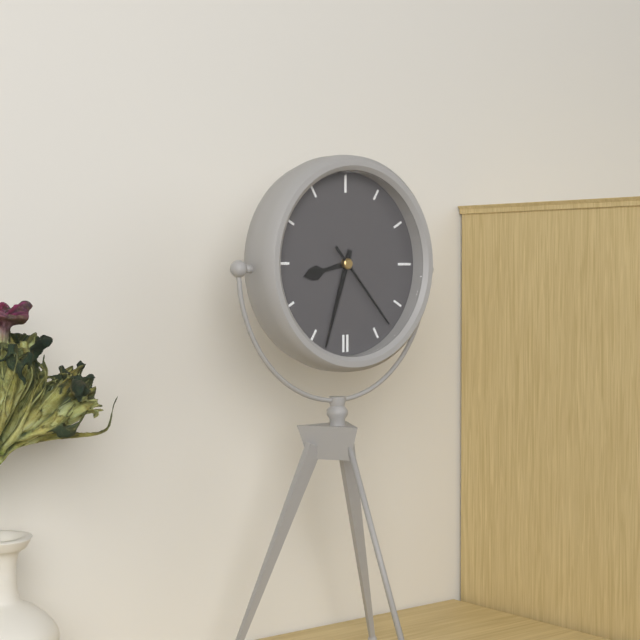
8:33:23
